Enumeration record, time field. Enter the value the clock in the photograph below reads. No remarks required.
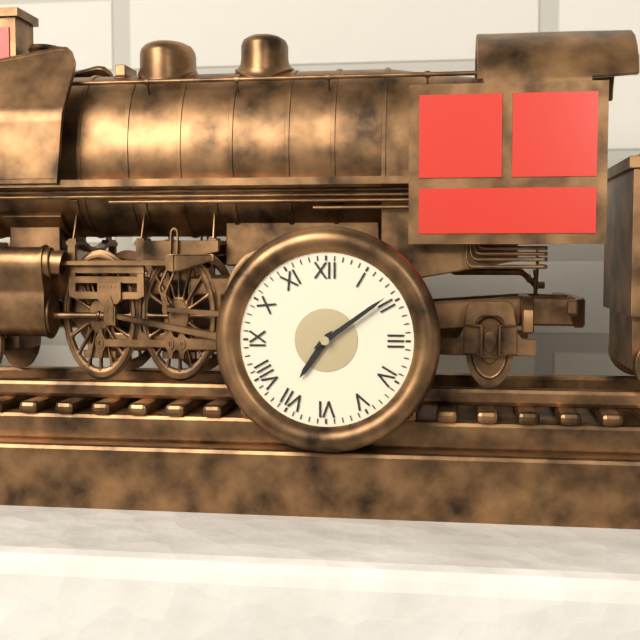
7:09
